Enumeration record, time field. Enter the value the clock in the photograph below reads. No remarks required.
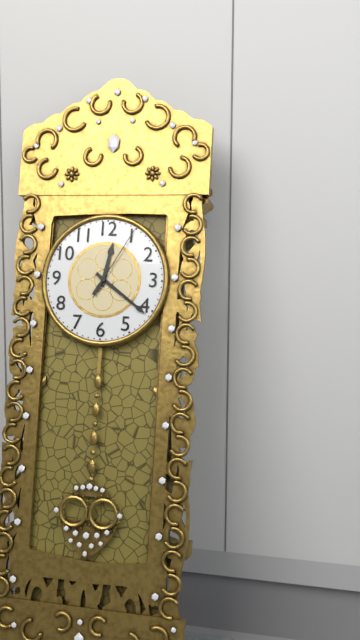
12:21:05
